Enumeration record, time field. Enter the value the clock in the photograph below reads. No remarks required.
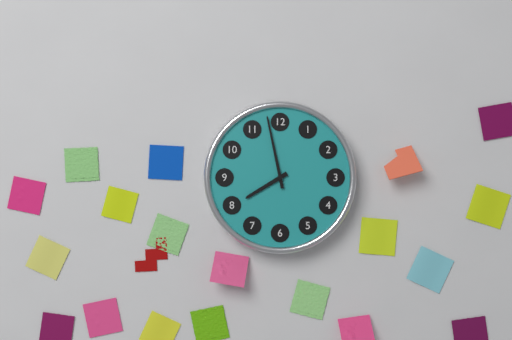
7:58
